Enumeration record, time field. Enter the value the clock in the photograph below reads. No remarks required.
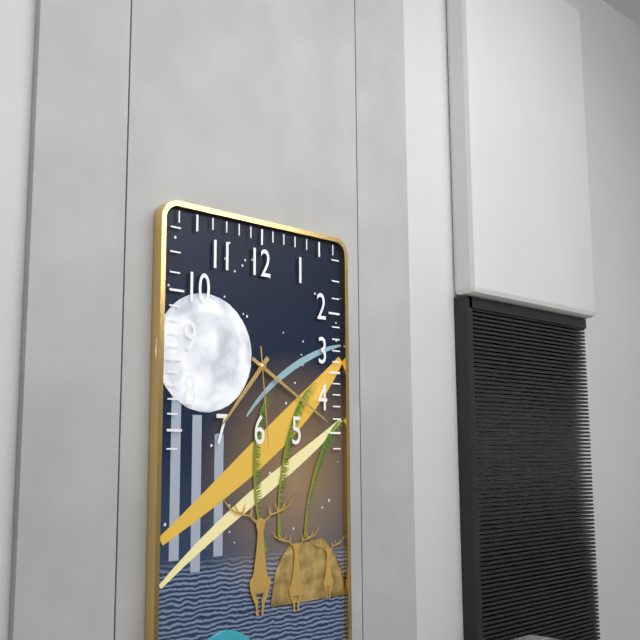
7:20:29
